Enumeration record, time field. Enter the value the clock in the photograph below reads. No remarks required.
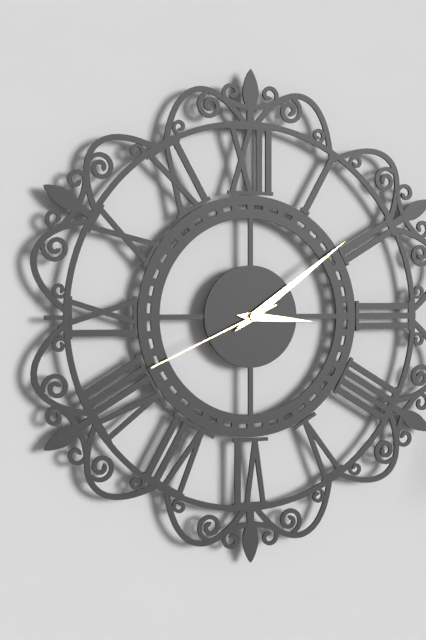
3:09:41
